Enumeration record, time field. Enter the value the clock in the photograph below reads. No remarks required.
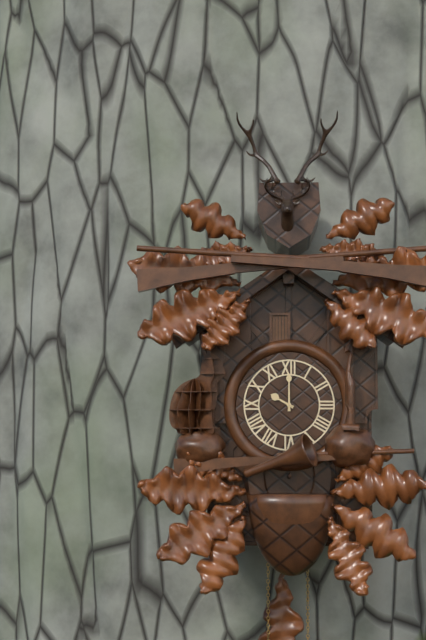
10:00
